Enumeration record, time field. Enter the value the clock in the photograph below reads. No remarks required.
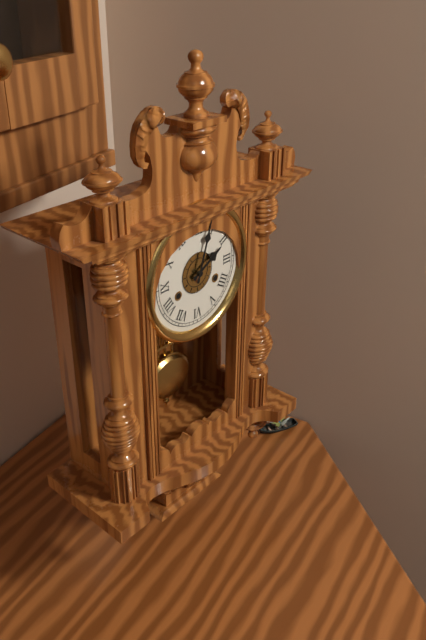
2:03
